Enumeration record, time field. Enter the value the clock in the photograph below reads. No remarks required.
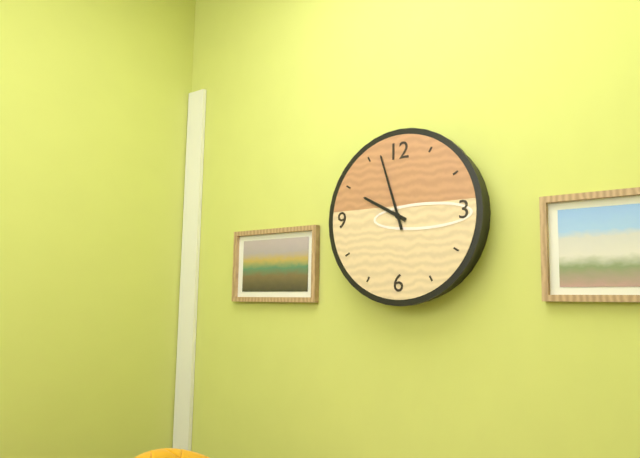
9:57
